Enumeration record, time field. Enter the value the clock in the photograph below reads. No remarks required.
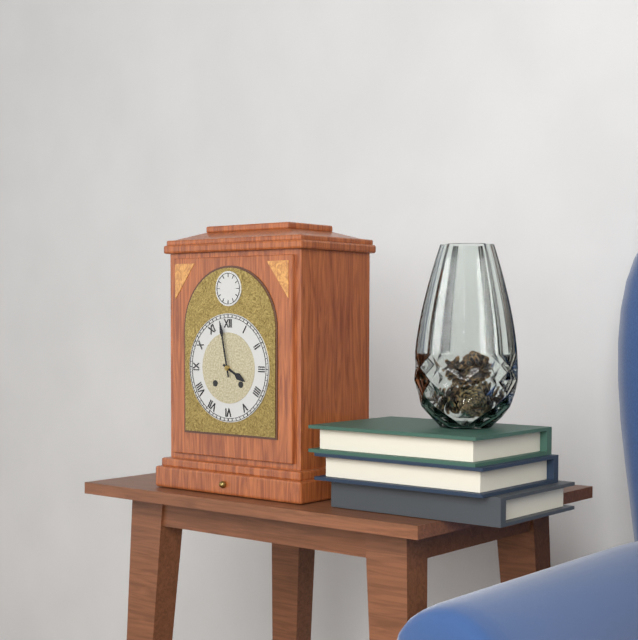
3:58
